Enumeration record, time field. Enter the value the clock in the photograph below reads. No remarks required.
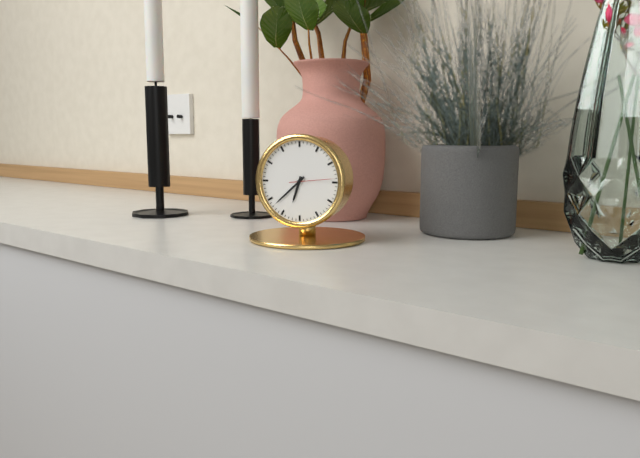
6:38
